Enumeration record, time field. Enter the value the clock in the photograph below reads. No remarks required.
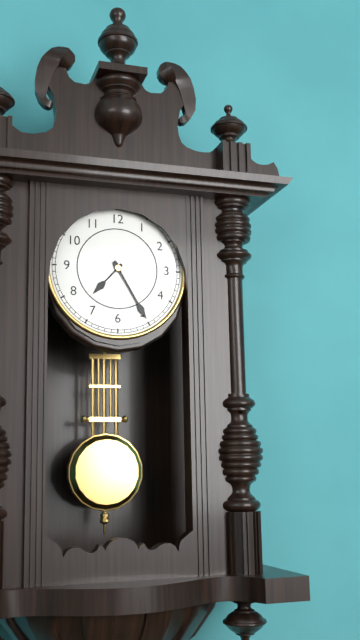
7:25
